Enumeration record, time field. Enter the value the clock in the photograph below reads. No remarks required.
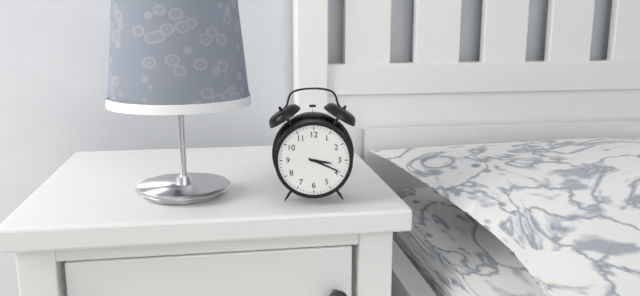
3:19
